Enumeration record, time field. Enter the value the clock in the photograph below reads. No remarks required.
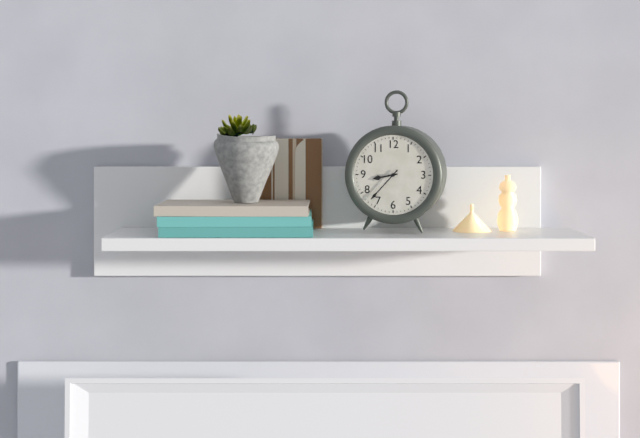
8:37
